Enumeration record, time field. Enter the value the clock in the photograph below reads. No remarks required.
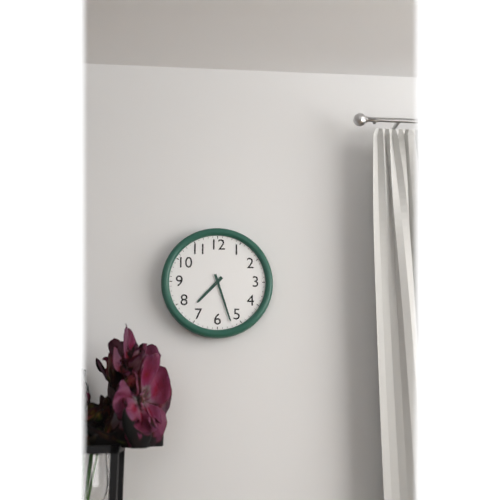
7:27
